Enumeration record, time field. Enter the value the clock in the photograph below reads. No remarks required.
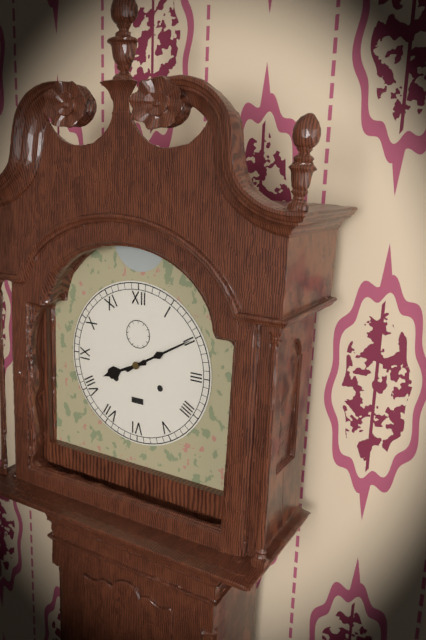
8:10
